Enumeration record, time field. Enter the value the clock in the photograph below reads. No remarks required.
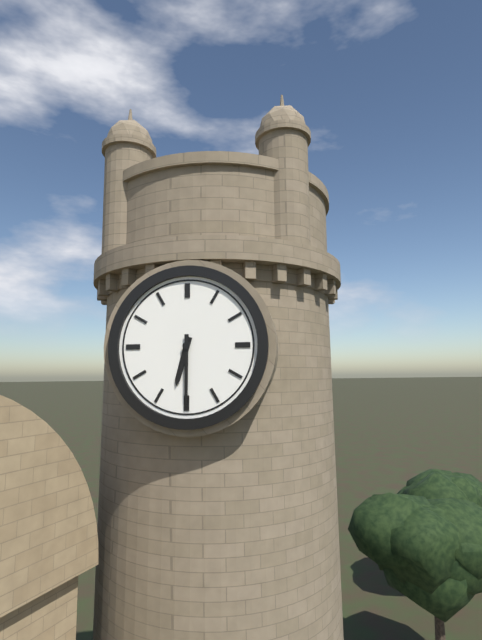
6:30
